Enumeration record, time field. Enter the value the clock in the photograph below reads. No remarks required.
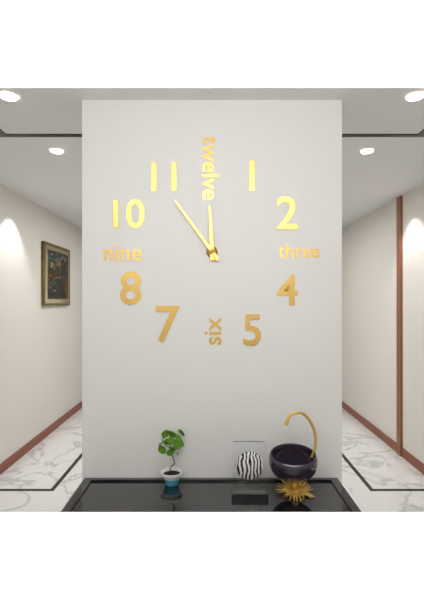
11:54
